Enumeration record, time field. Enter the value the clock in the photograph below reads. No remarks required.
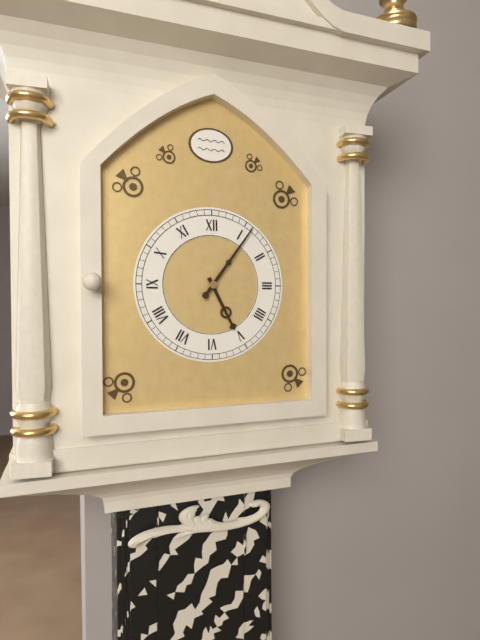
5:06
